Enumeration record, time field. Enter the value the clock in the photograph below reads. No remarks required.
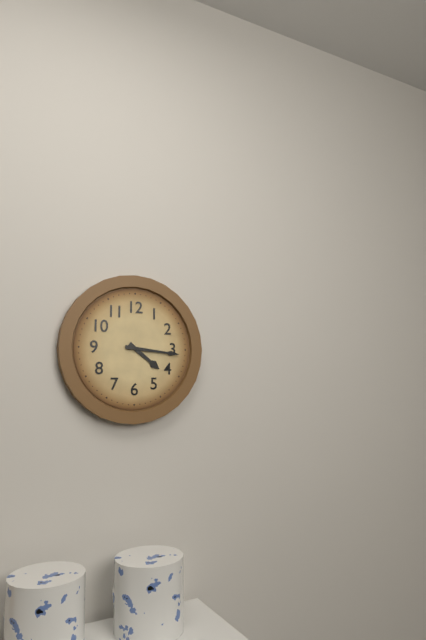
4:16
